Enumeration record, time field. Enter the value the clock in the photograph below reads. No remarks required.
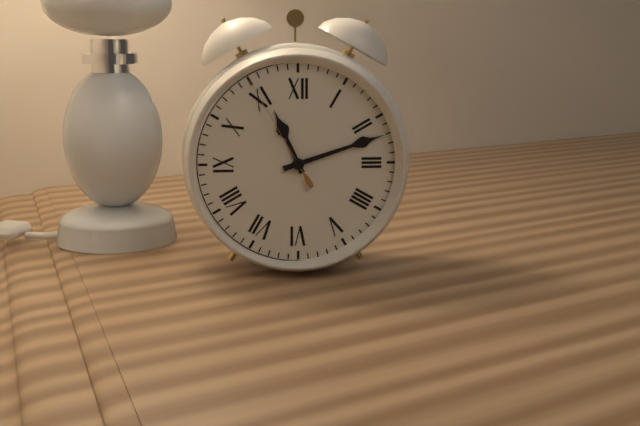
11:12:55
